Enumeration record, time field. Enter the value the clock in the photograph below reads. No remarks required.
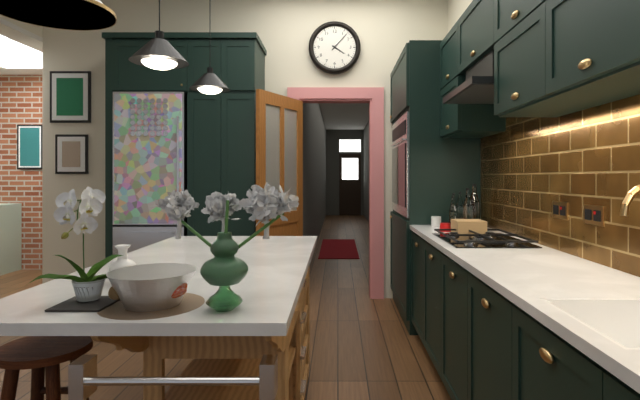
4:07
